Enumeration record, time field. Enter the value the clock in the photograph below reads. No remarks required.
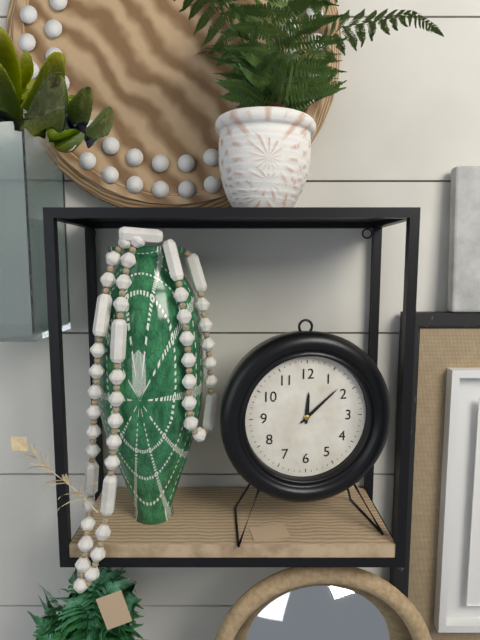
12:08
